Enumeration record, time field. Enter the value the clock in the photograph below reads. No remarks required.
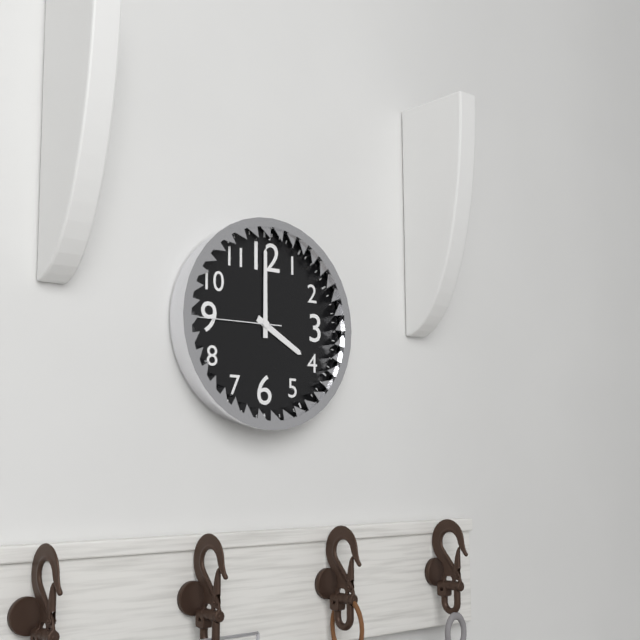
4:00:45
